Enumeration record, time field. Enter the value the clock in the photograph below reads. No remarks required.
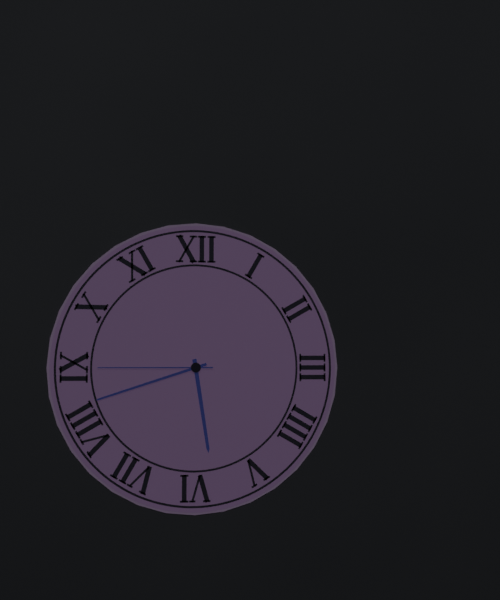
5:42:45
